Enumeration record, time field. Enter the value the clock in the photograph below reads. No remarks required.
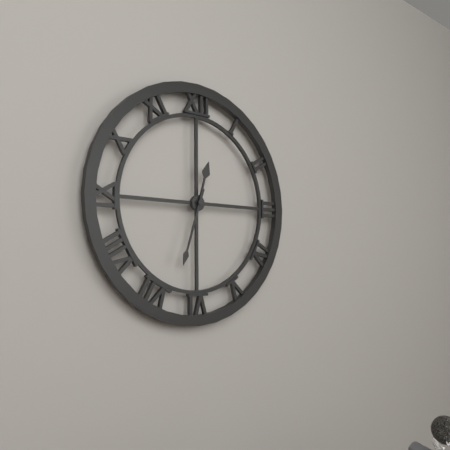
12:33
